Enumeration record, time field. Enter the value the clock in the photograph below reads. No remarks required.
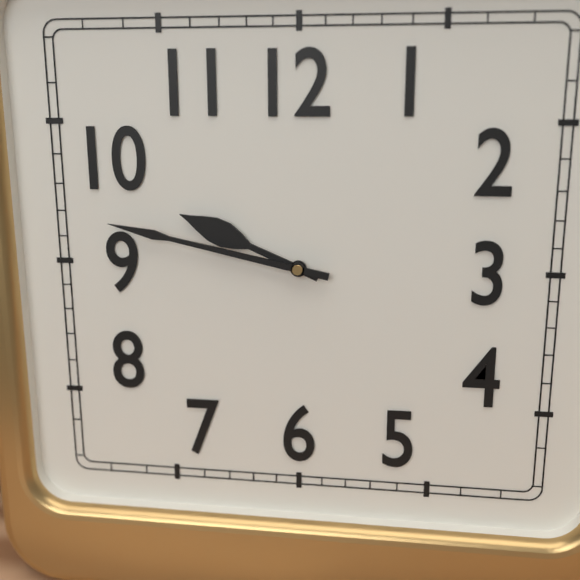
9:47
